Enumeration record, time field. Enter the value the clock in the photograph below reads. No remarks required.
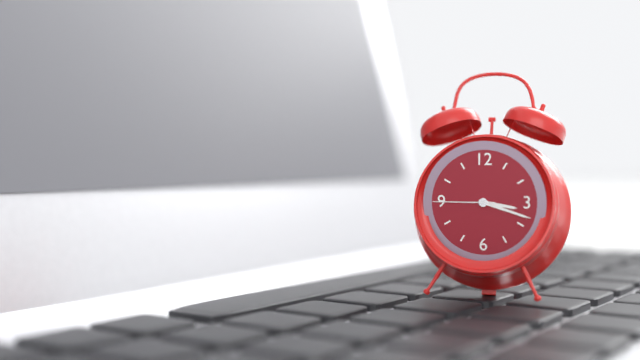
3:18:45
